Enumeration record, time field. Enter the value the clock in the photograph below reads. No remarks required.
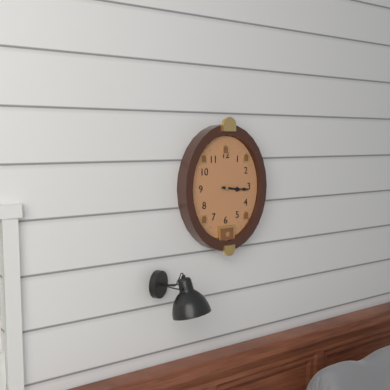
3:16
